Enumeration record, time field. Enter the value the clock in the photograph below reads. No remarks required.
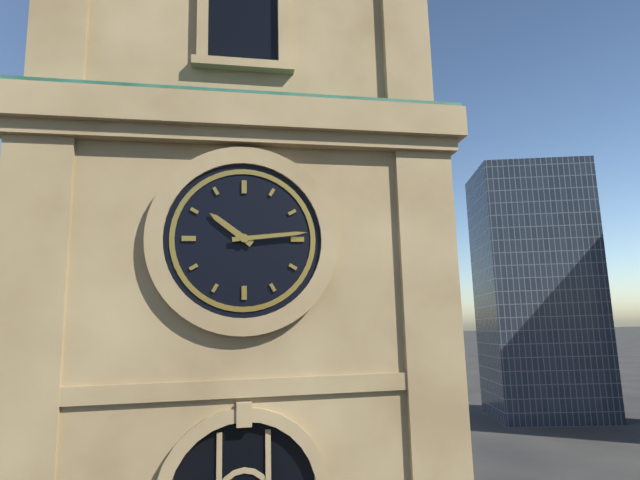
10:14
